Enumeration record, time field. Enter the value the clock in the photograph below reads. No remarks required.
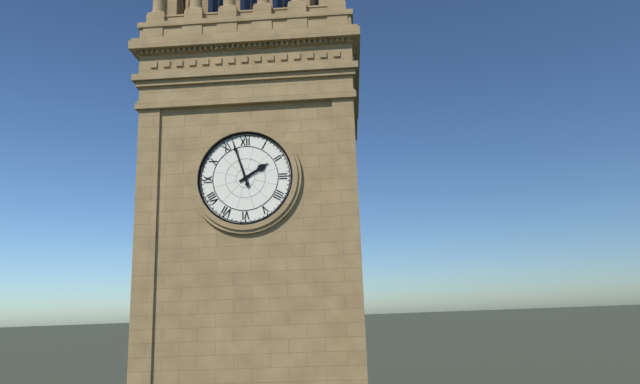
1:57
